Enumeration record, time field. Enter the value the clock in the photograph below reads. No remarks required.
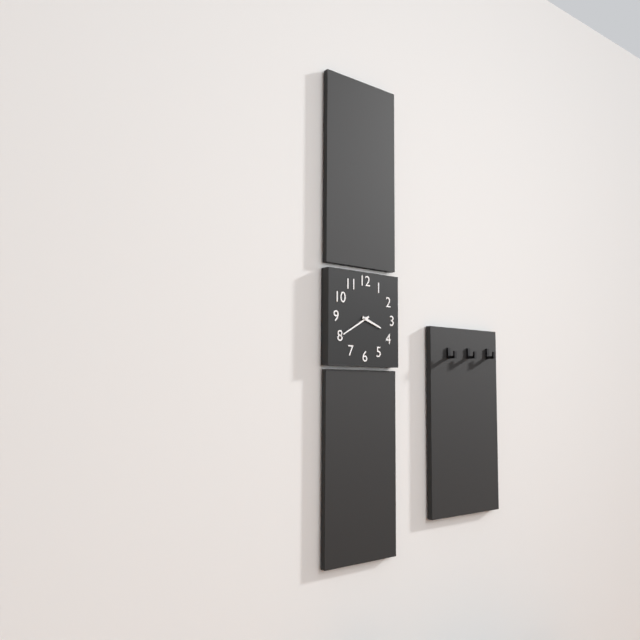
3:40
